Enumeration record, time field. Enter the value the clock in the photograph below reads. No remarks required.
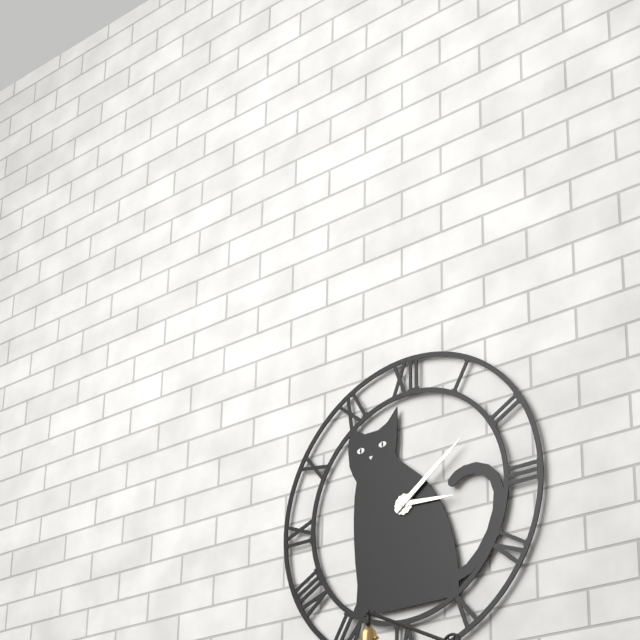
3:09
